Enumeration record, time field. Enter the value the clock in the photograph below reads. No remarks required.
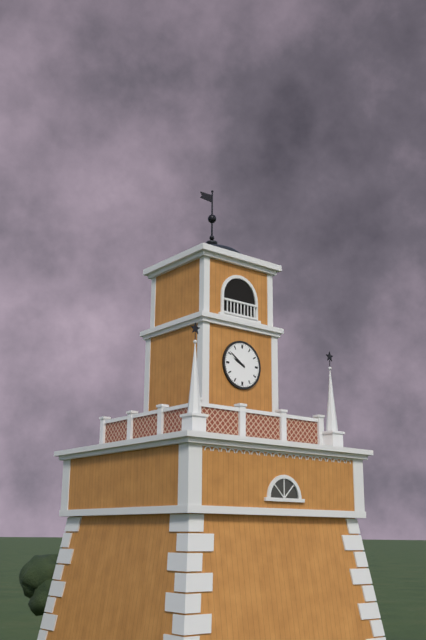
9:51
